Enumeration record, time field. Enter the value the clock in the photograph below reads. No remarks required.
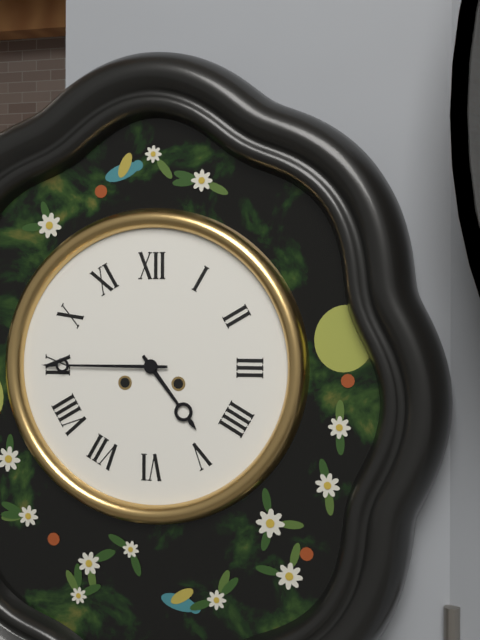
4:45
